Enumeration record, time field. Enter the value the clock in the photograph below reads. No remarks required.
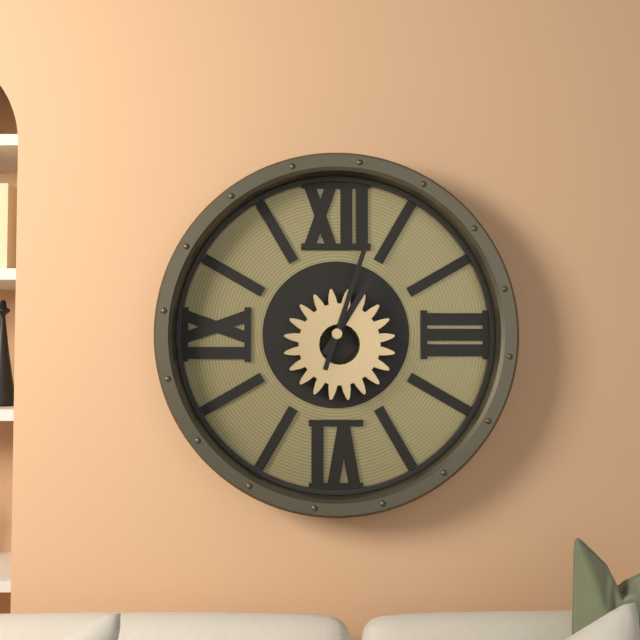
1:03
